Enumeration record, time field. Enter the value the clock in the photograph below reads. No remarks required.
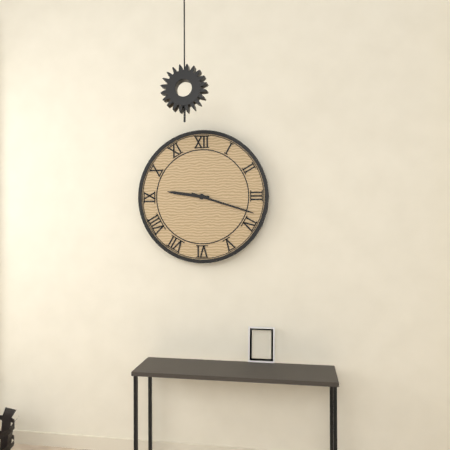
9:18
